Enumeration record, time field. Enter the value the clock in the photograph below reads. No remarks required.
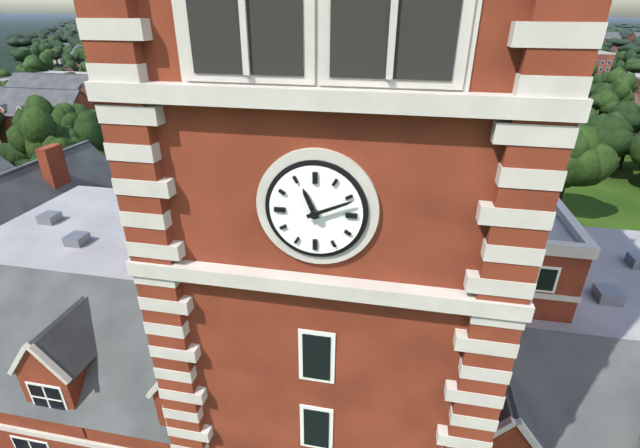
11:11
